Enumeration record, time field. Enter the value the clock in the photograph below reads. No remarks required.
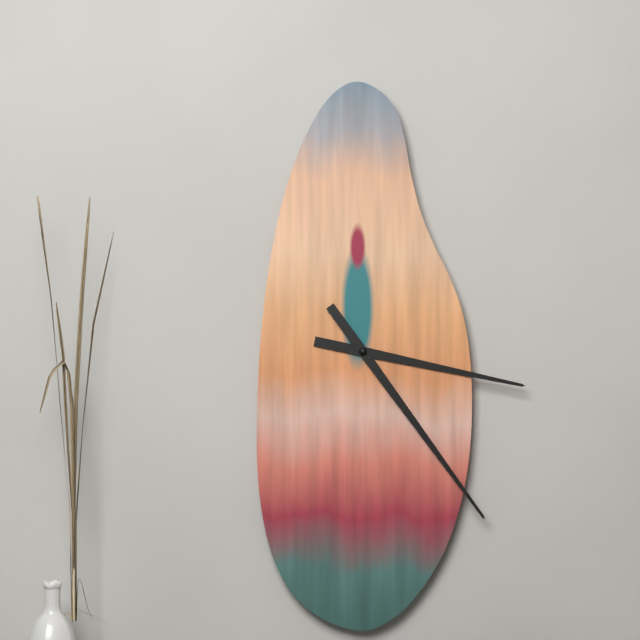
3:24
